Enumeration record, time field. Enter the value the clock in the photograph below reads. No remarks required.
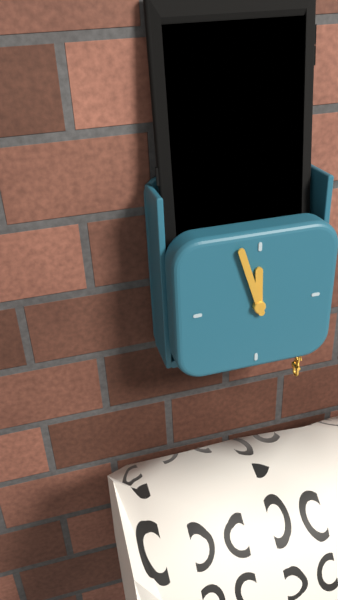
11:57
